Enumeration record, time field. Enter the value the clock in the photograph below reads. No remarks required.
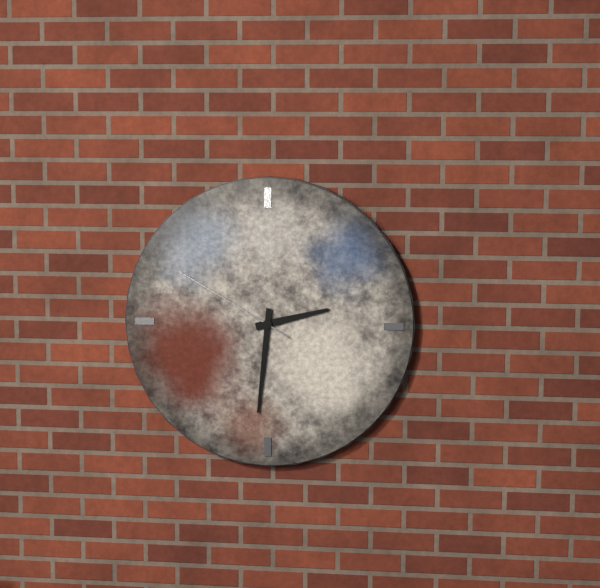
2:31:50
